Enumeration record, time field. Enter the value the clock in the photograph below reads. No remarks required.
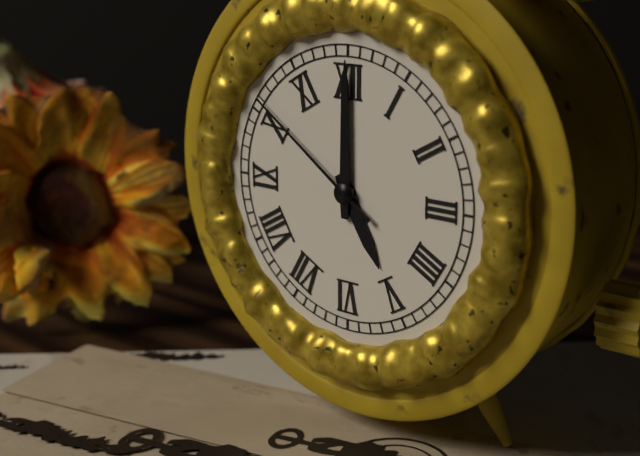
5:00:51
